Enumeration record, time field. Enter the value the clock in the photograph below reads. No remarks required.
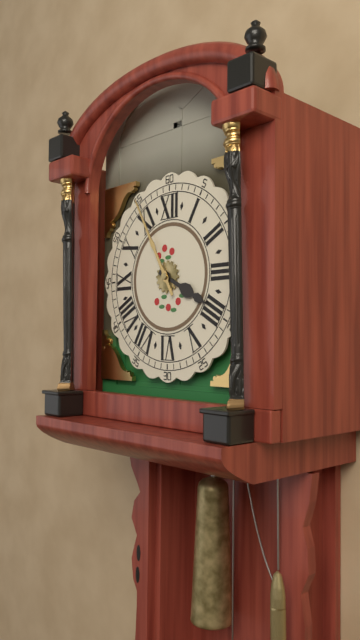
3:55
